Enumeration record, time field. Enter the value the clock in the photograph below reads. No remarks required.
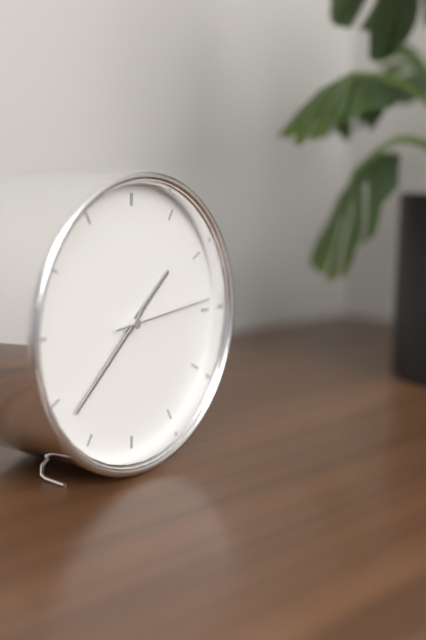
1:38:14
